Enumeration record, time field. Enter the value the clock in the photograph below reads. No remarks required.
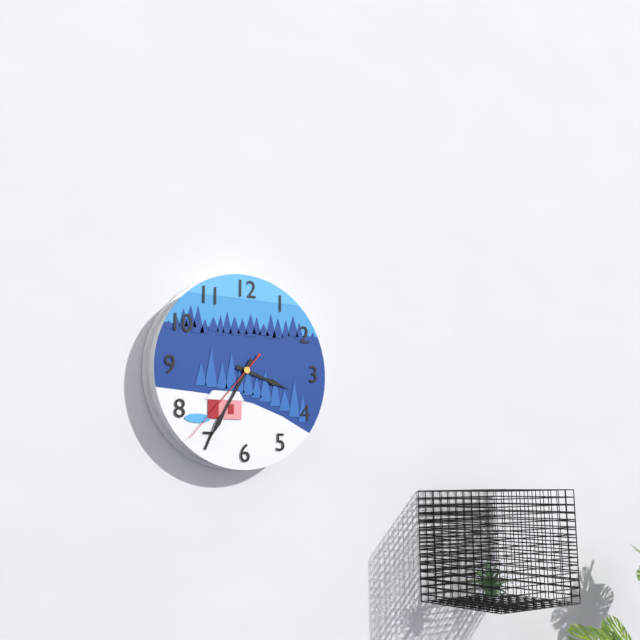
3:35:37
